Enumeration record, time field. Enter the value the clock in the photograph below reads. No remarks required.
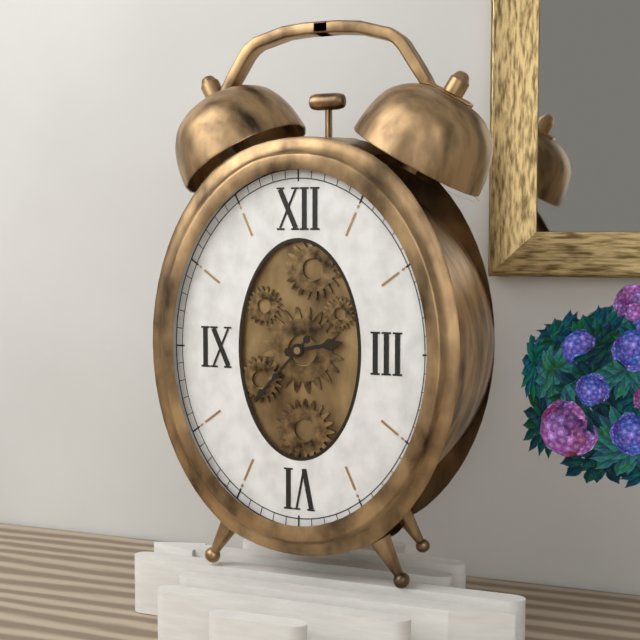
2:37
